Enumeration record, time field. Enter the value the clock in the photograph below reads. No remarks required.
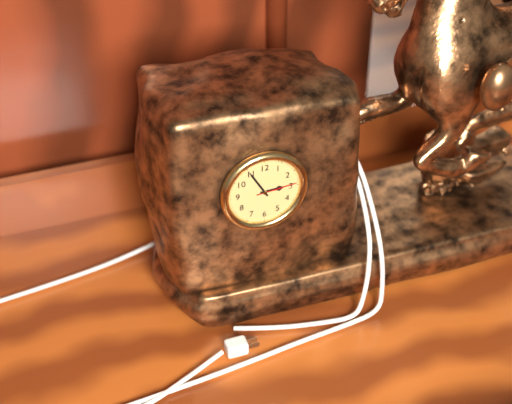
2:55
